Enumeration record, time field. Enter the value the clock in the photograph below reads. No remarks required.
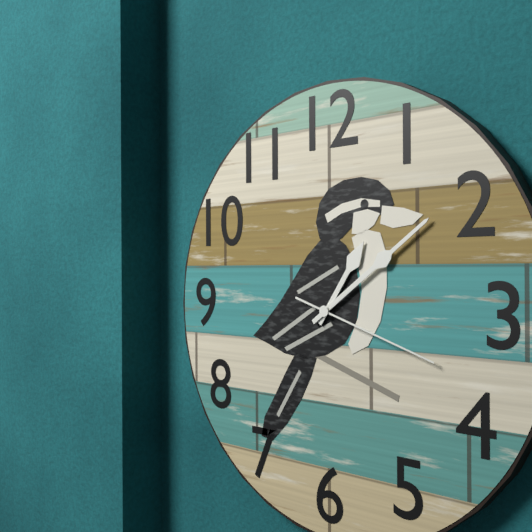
1:09:18
